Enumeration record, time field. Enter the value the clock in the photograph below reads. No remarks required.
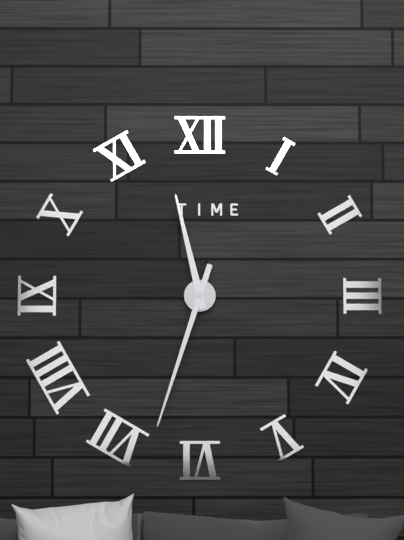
11:33
